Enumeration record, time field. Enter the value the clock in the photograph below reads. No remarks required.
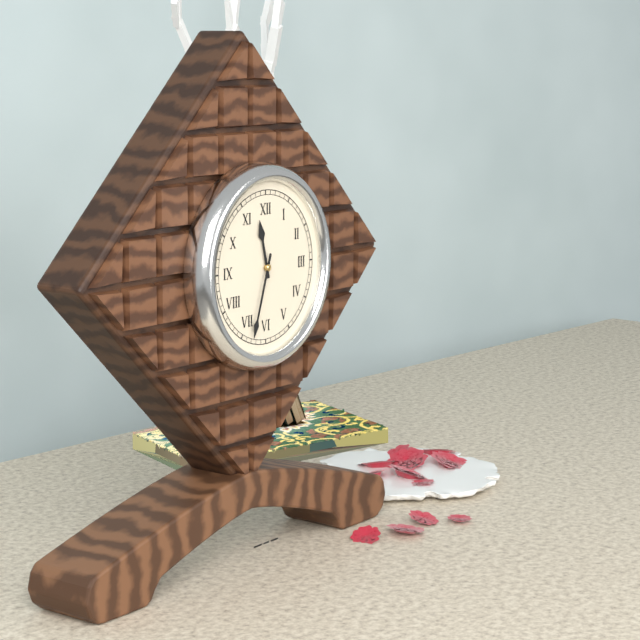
11:33
